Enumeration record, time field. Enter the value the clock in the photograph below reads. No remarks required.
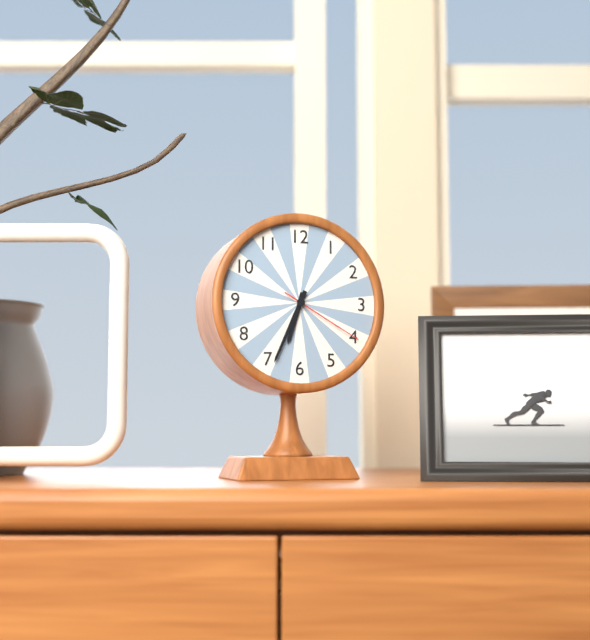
6:34:20
